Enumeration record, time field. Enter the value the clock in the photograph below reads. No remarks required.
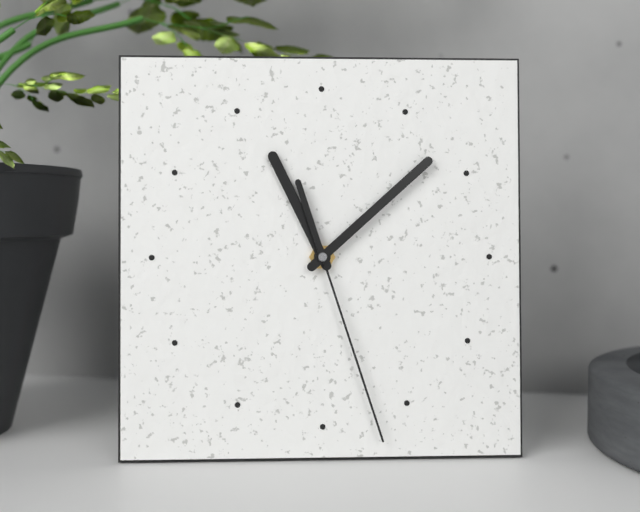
11:08:27
